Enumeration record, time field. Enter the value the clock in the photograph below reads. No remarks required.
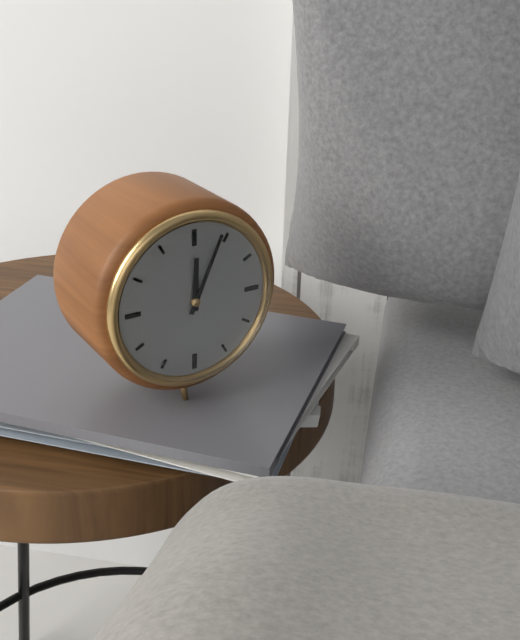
12:04
